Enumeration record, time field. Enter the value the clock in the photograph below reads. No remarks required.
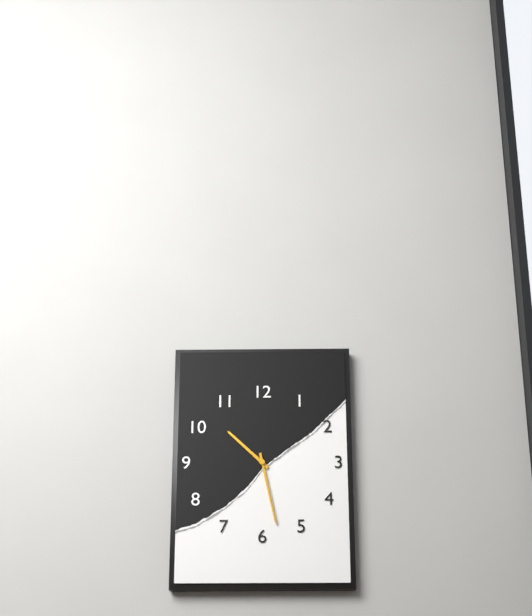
10:28
